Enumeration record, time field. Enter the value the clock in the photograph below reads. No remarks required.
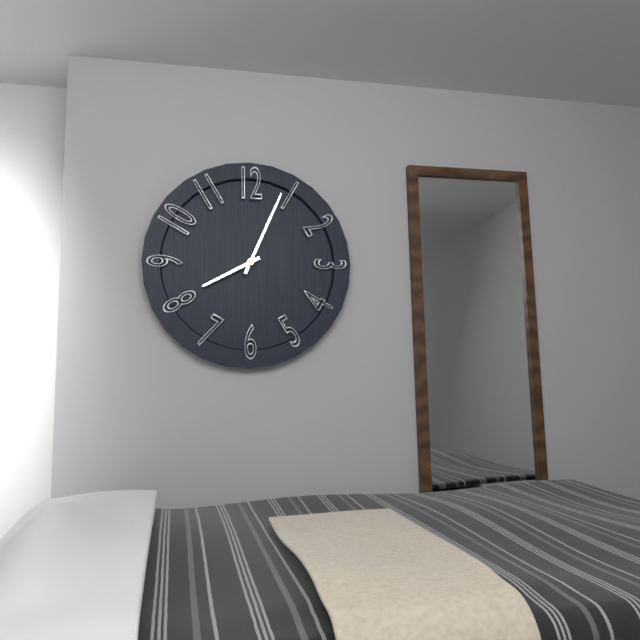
8:04
